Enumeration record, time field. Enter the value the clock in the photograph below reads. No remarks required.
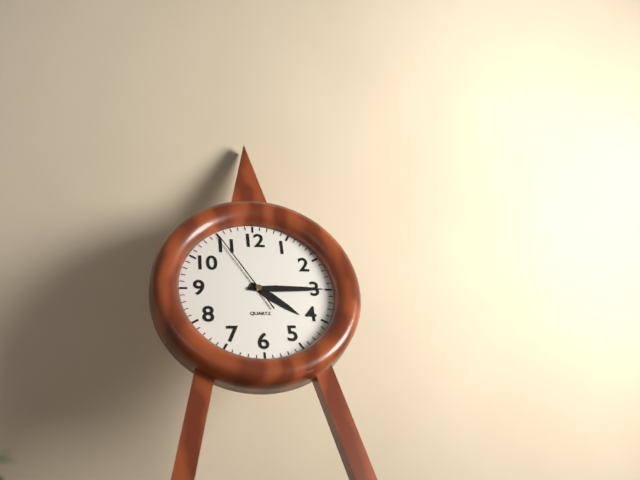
4:15:55
